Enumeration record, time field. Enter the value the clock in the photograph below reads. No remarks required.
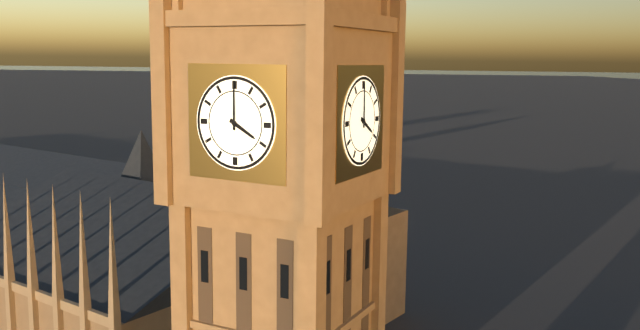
4:00
